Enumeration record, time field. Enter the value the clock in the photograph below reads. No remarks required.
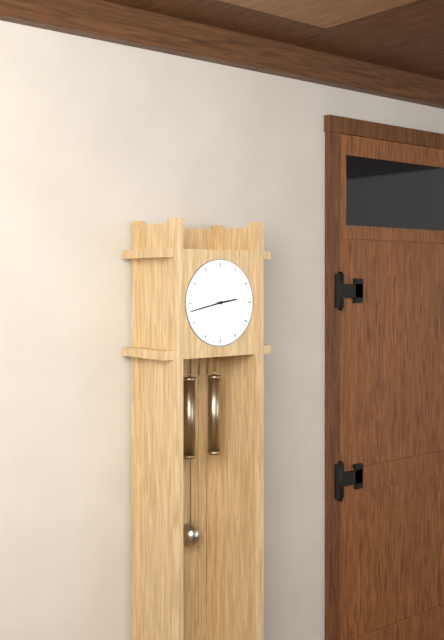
2:43
